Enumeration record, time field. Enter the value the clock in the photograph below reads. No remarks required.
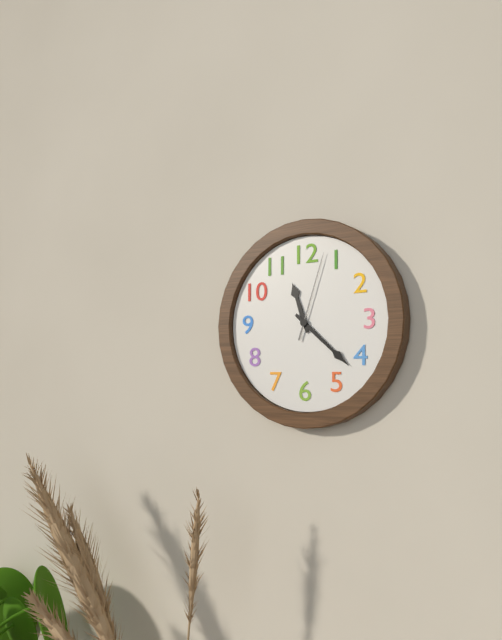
11:22:03
